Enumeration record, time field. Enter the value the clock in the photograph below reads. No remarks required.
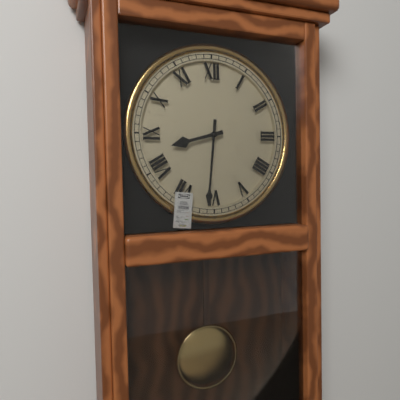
8:31
